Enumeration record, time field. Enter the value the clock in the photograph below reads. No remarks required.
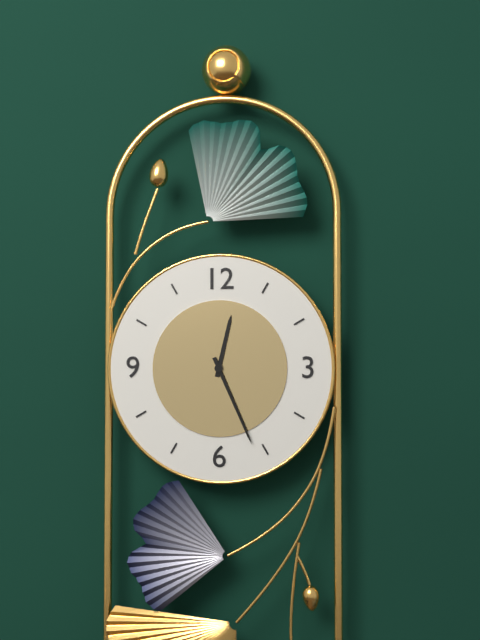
12:26
